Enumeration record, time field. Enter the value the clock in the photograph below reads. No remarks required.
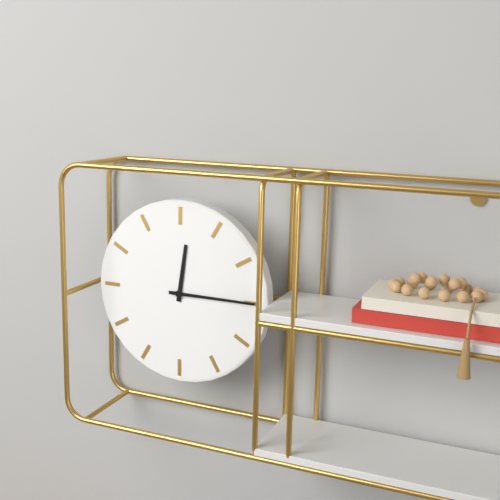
12:15
